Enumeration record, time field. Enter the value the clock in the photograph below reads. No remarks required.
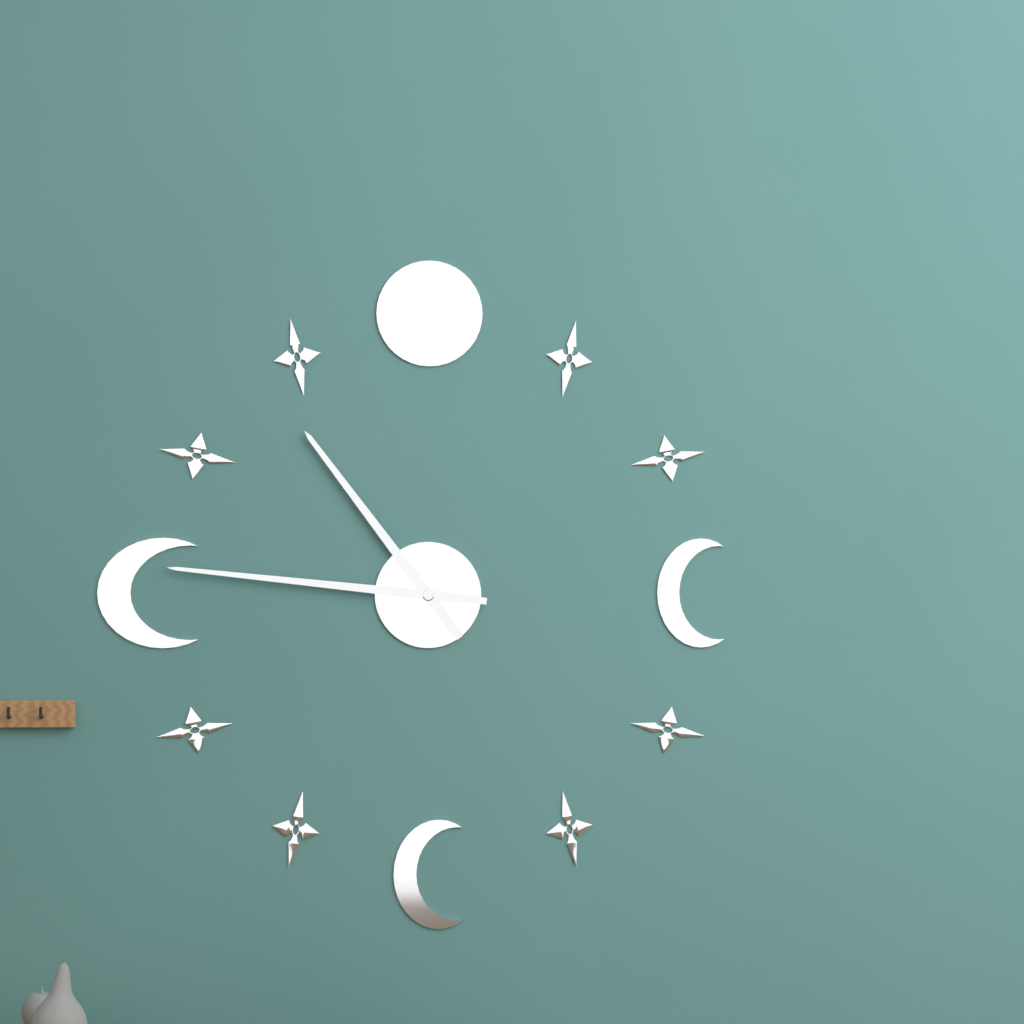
10:46
